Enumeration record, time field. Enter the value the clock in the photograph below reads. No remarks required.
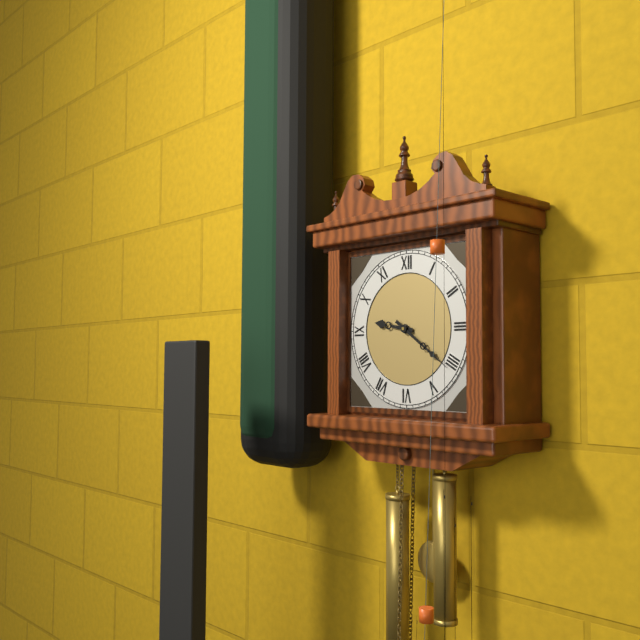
9:21
